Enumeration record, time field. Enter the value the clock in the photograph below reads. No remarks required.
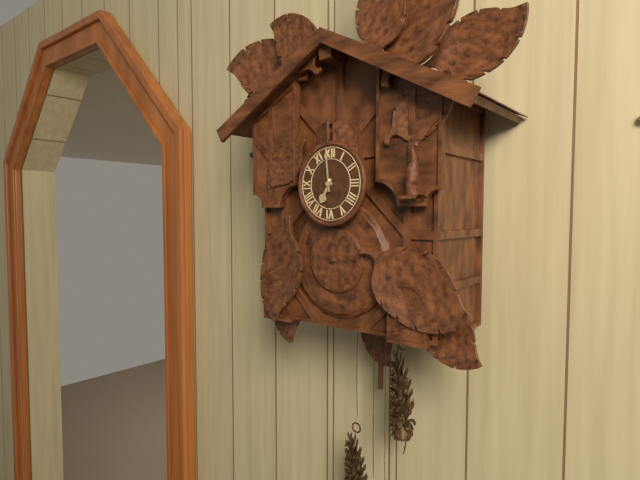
6:59
